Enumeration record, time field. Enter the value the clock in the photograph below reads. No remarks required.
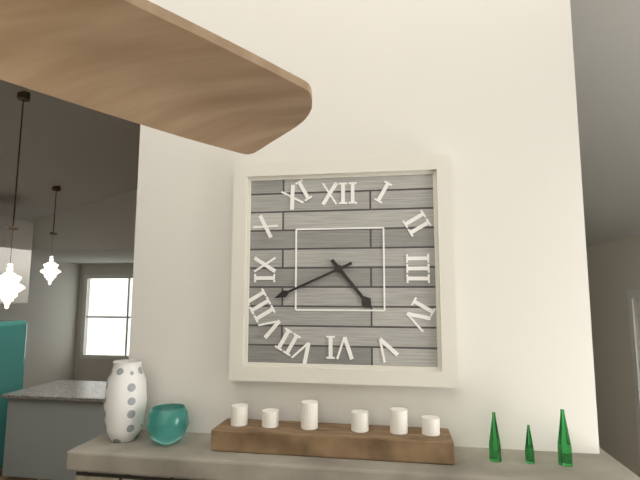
4:41
